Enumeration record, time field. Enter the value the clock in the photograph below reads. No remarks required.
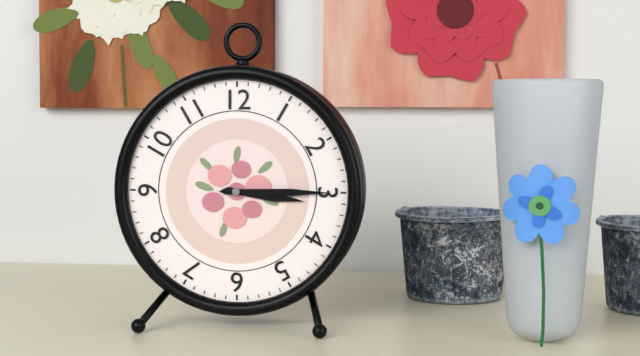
3:15
